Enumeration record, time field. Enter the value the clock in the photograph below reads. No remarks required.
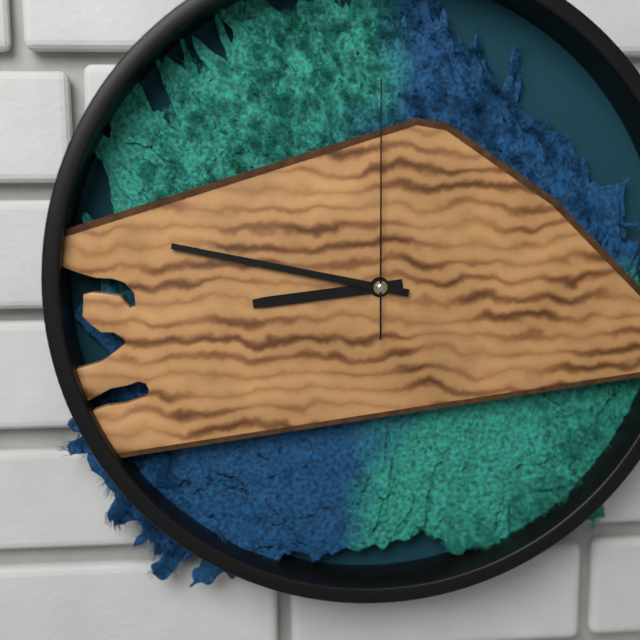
8:47:00
